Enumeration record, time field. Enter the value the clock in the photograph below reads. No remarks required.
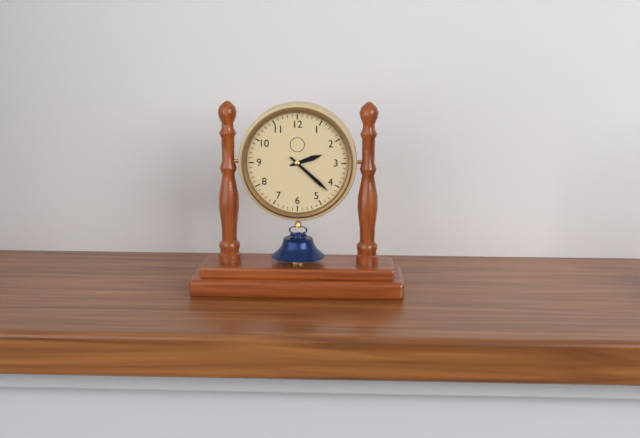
2:22
